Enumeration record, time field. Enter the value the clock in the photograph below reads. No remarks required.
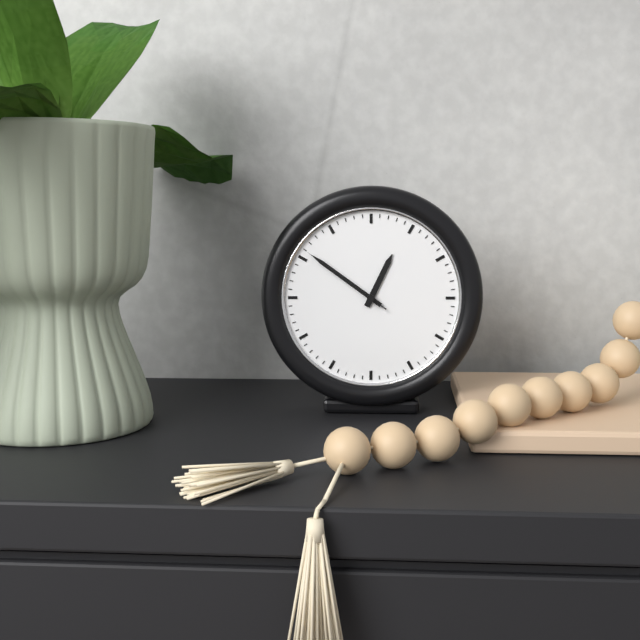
12:51:51
